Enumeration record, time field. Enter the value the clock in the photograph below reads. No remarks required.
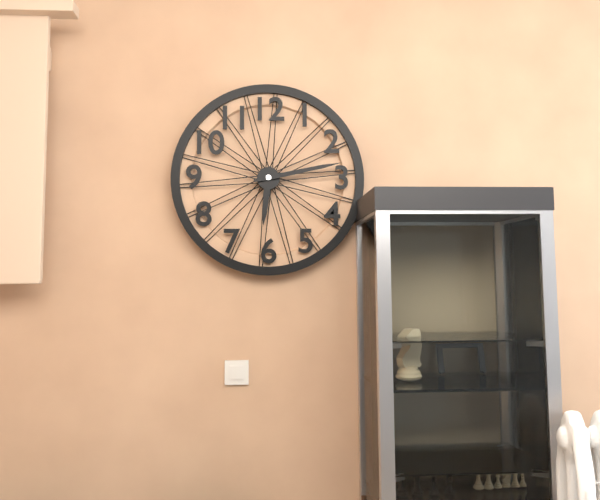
6:13
